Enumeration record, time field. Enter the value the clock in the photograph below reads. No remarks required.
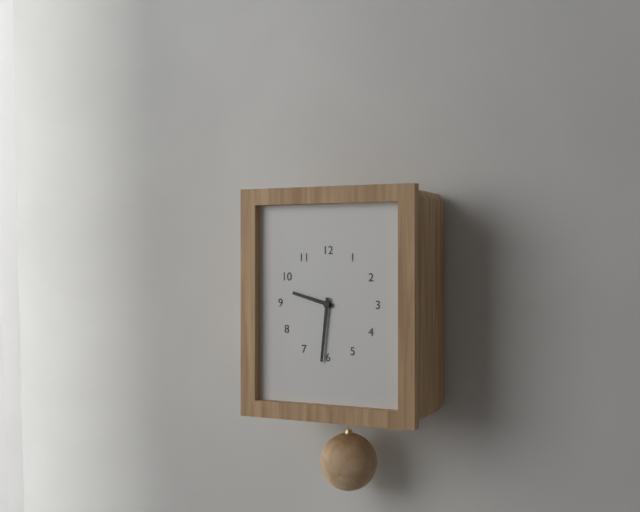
9:31
